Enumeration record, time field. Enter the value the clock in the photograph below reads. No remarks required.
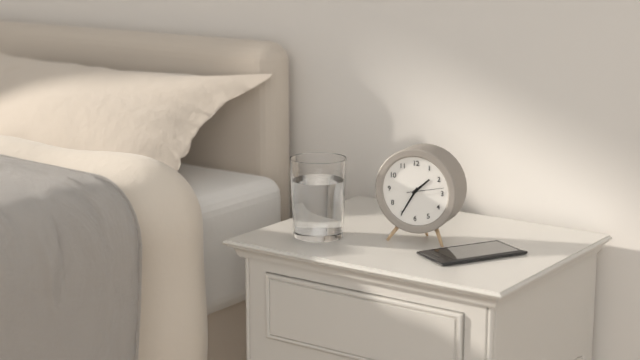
1:35
